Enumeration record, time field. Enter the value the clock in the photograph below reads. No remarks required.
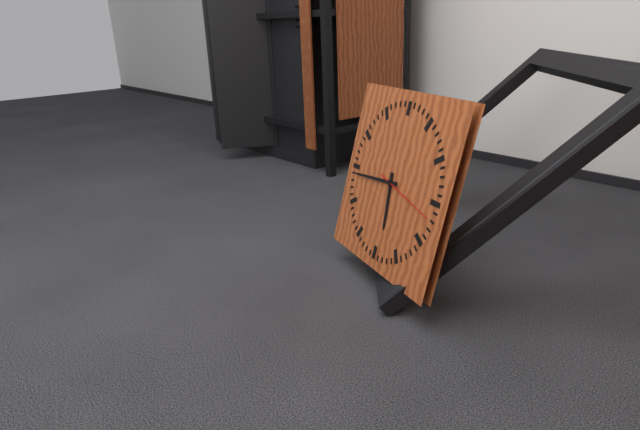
5:44:17
